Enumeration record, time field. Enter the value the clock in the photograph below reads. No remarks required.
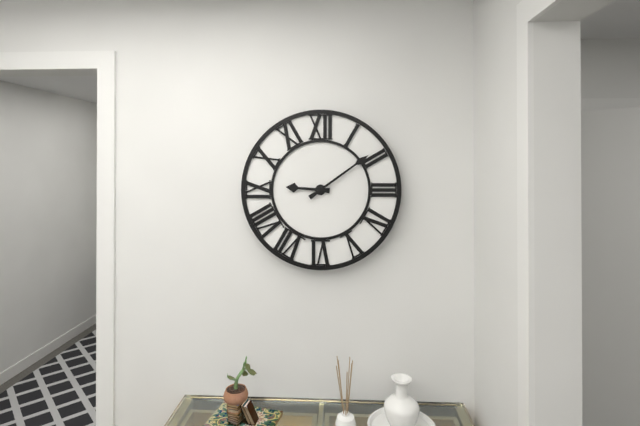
9:09
